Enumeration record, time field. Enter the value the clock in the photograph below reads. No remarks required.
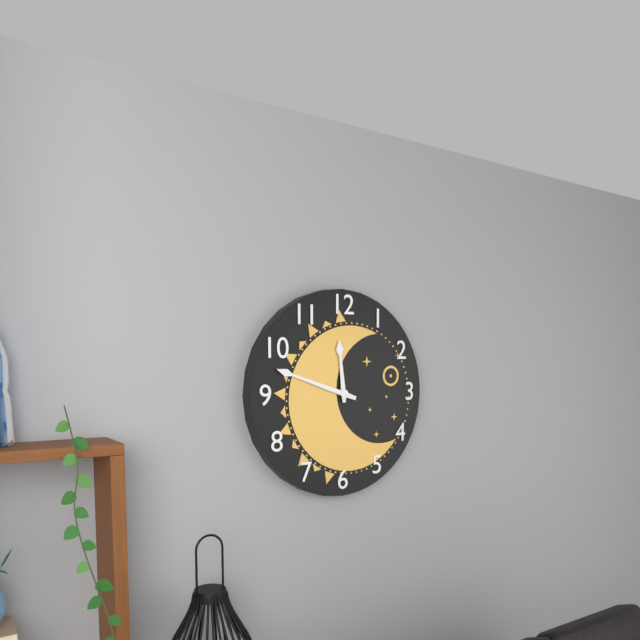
11:48
